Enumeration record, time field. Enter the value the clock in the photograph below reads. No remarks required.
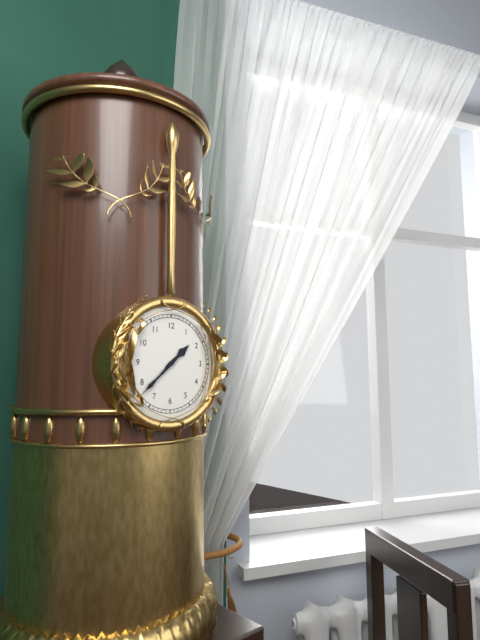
1:38
